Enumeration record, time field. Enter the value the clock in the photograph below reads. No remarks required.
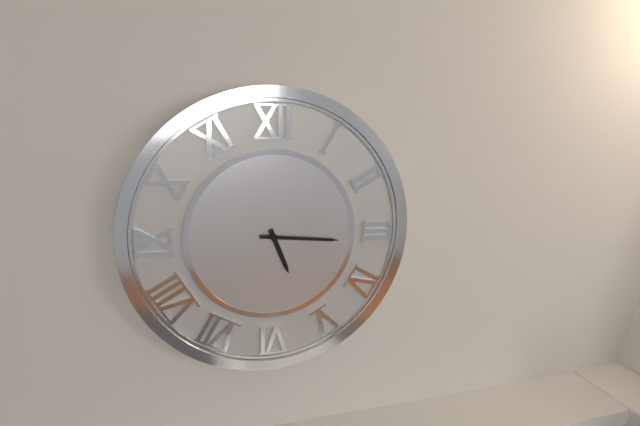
5:16
